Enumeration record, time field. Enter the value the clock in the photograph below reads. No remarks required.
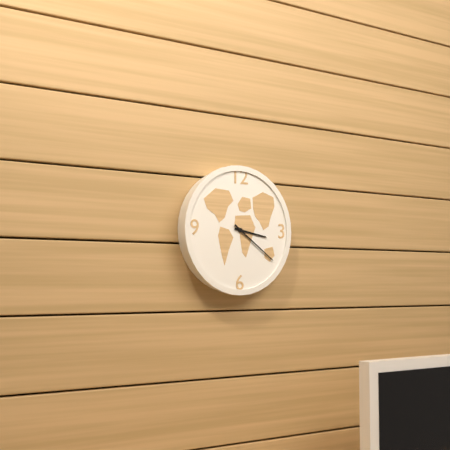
3:21
